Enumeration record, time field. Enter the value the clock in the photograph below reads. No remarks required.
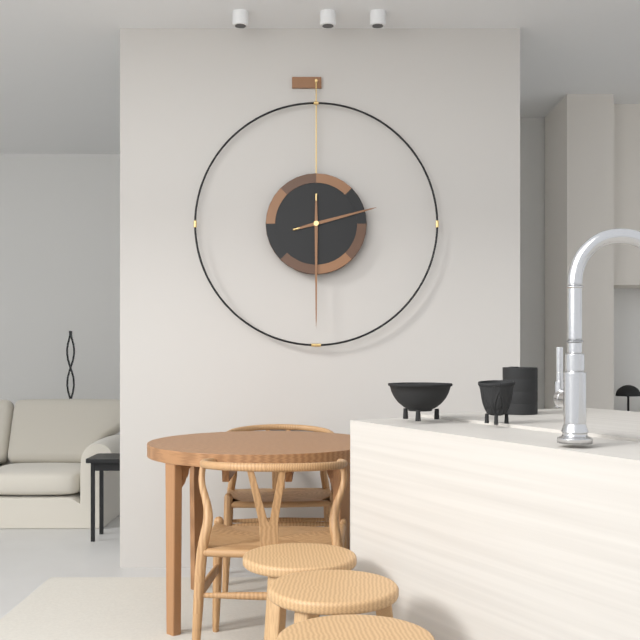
2:30
